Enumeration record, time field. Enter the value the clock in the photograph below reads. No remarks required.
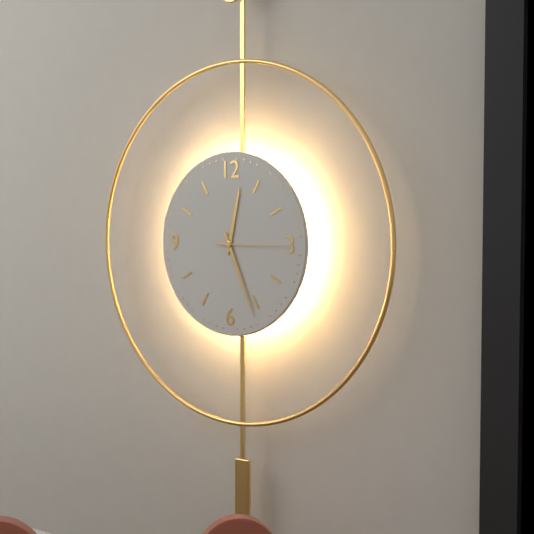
12:26:15
